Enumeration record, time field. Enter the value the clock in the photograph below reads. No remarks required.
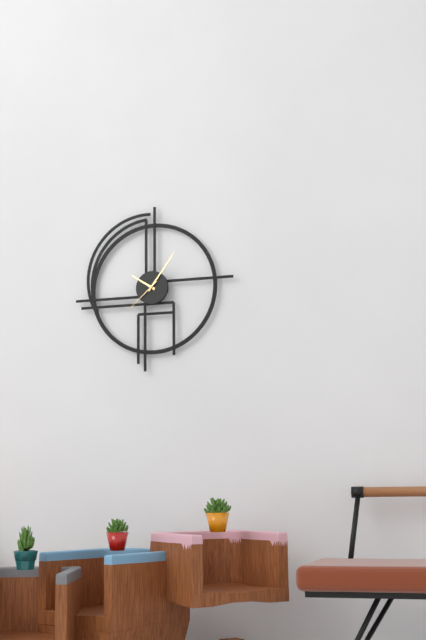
10:06
